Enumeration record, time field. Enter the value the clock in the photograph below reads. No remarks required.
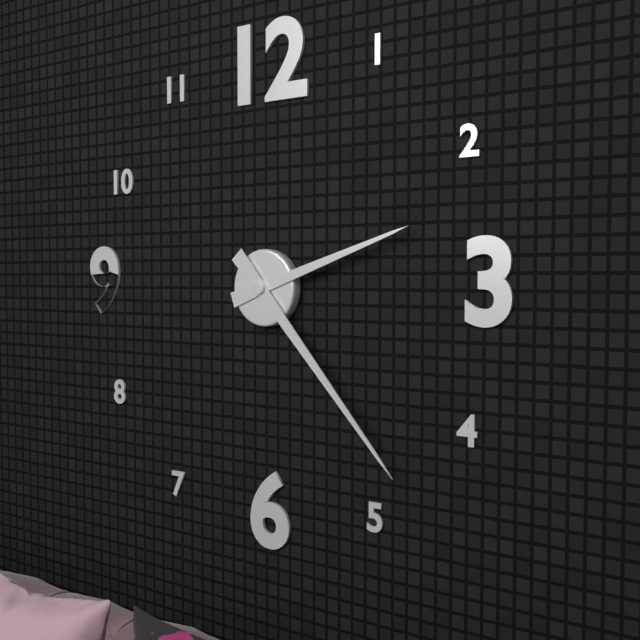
2:23
